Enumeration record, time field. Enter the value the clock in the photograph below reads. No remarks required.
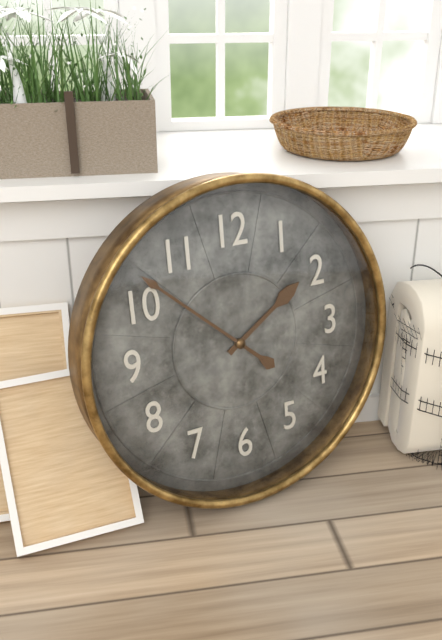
1:52
